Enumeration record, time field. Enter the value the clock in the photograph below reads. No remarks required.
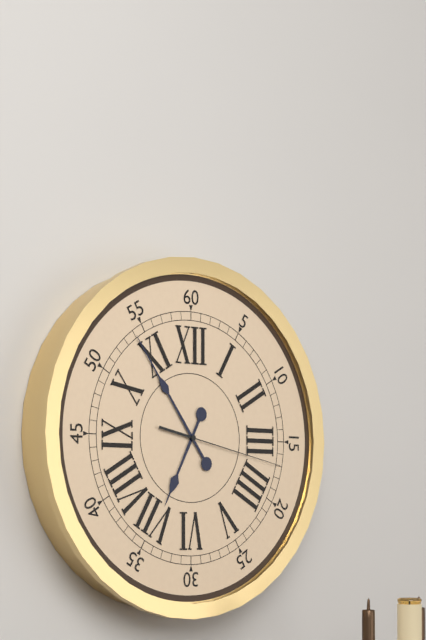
6:54:17
